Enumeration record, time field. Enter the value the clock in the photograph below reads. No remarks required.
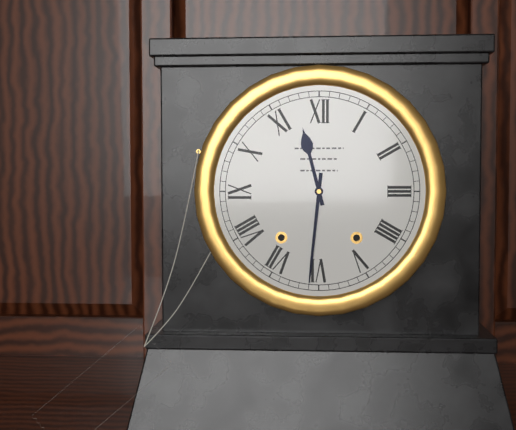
11:31
